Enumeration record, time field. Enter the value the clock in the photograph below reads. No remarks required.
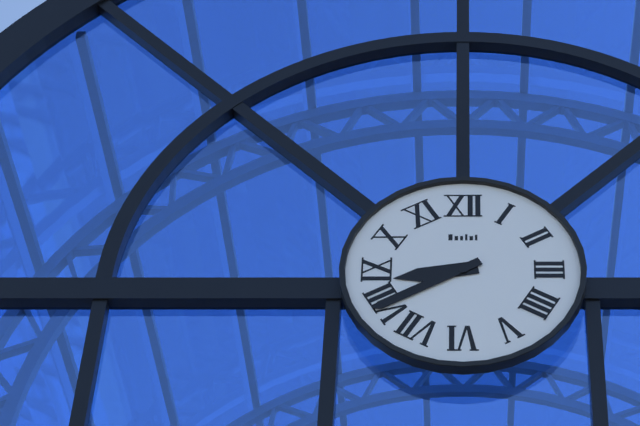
8:40
